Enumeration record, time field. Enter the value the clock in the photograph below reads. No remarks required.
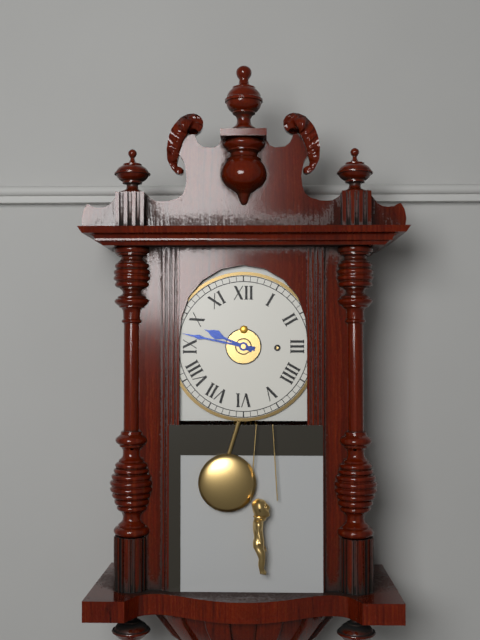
9:47
